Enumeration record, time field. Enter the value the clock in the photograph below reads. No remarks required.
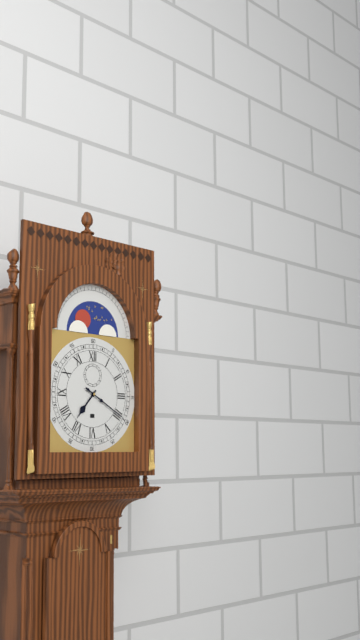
7:20
